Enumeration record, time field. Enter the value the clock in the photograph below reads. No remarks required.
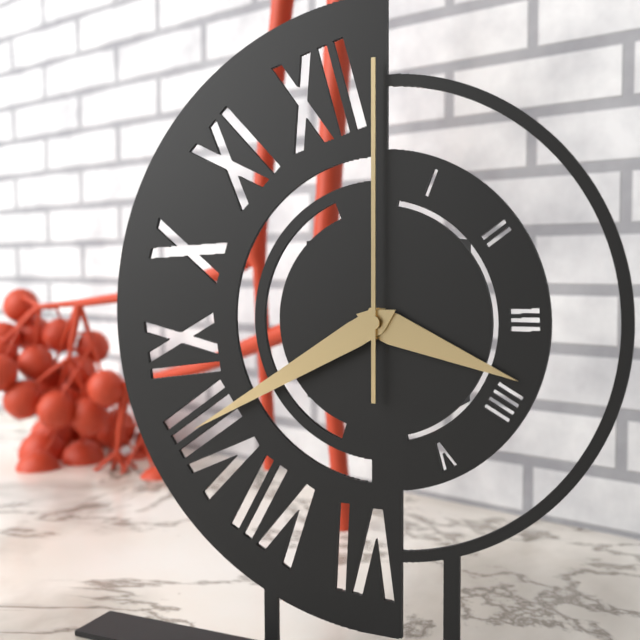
3:40:00
